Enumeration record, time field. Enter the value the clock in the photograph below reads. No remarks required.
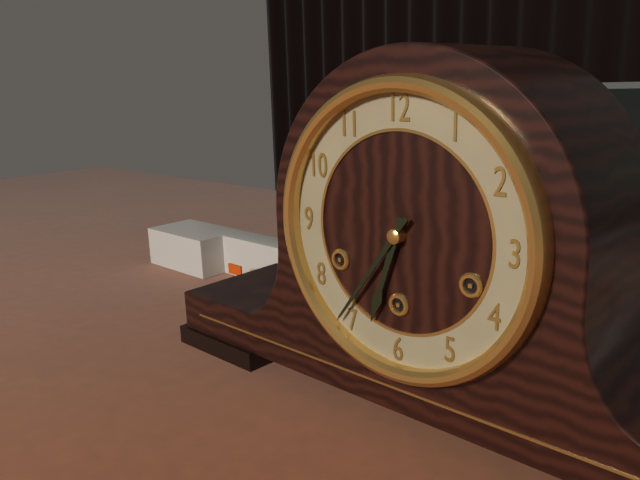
6:36
